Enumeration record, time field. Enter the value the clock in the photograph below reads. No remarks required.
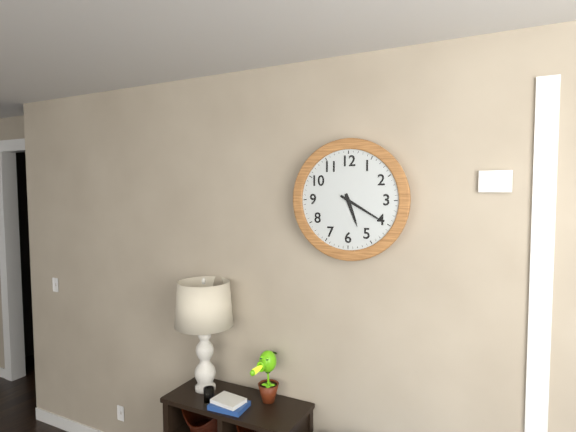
5:20
